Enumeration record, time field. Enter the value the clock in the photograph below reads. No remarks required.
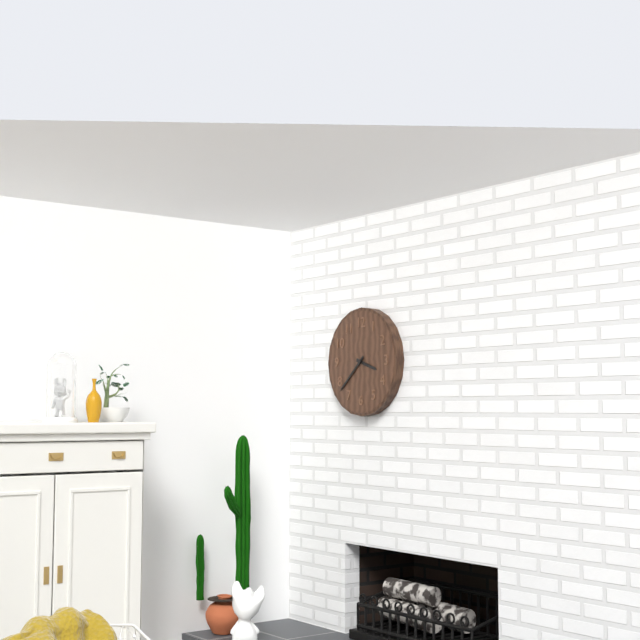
3:38
